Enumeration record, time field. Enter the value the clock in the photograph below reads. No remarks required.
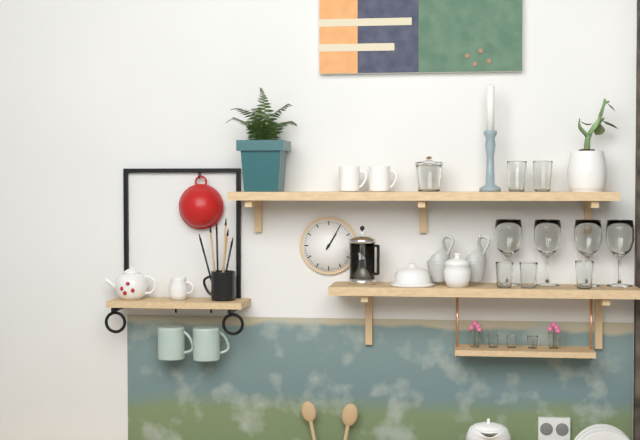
1:05
